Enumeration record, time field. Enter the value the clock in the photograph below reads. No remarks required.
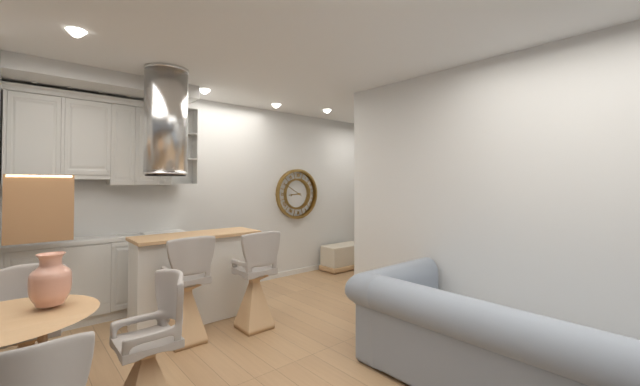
8:50
